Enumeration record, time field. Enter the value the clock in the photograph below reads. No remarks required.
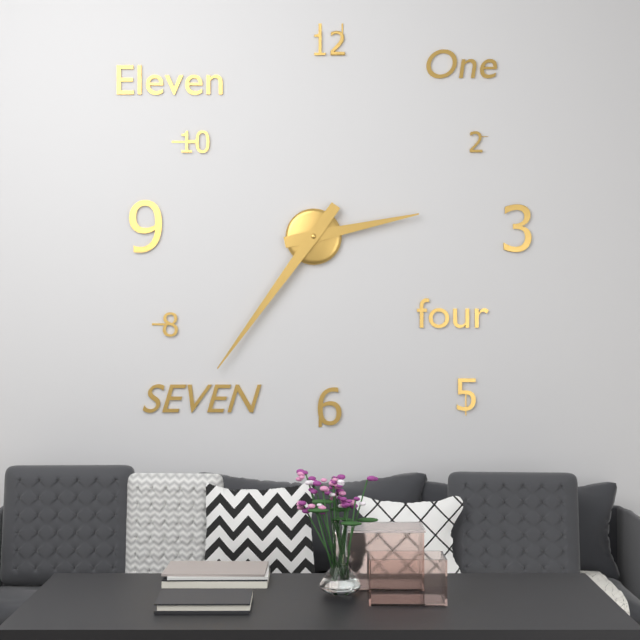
2:36
